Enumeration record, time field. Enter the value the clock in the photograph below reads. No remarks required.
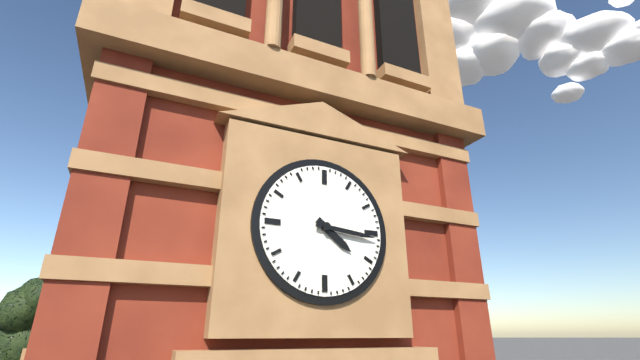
4:16
